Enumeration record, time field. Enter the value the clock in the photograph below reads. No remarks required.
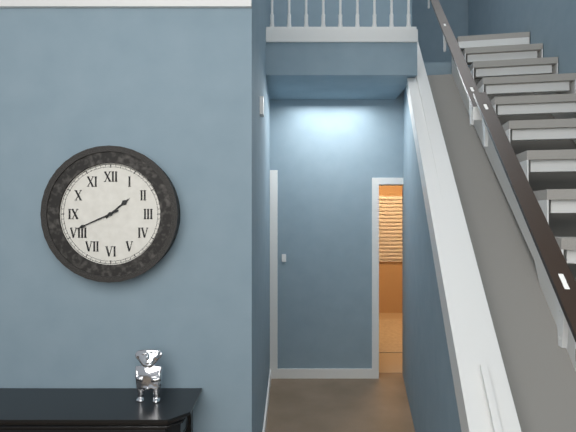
1:41
